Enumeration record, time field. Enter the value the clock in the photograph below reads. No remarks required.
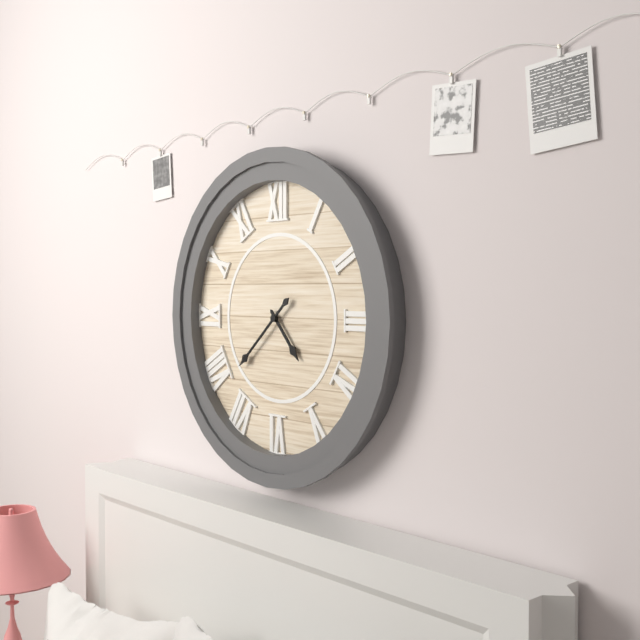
4:38
